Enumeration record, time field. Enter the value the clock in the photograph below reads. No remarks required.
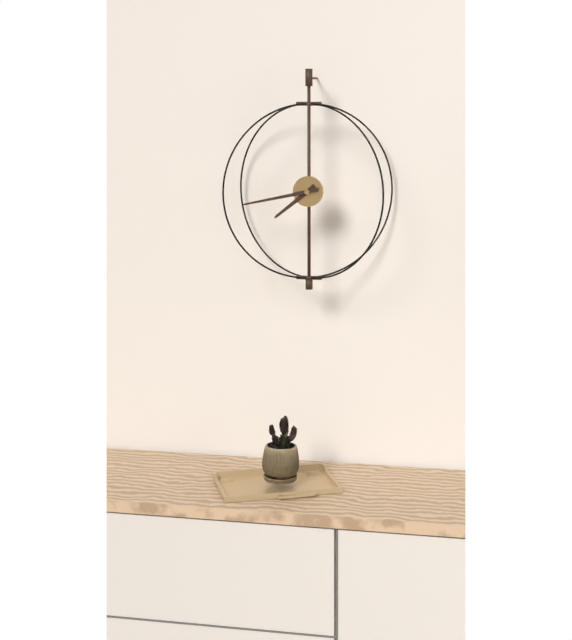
7:43
